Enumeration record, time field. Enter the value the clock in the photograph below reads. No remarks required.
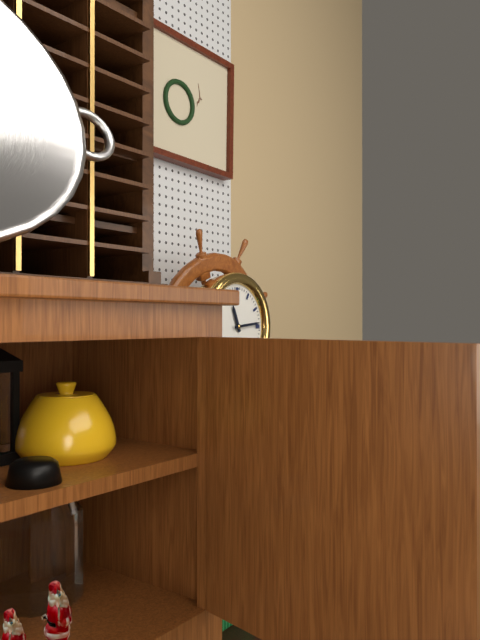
11:14
